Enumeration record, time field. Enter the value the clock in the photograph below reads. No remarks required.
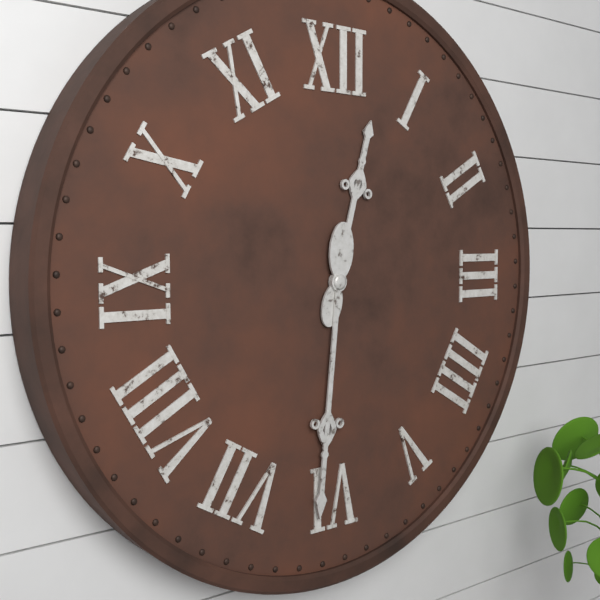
12:31
